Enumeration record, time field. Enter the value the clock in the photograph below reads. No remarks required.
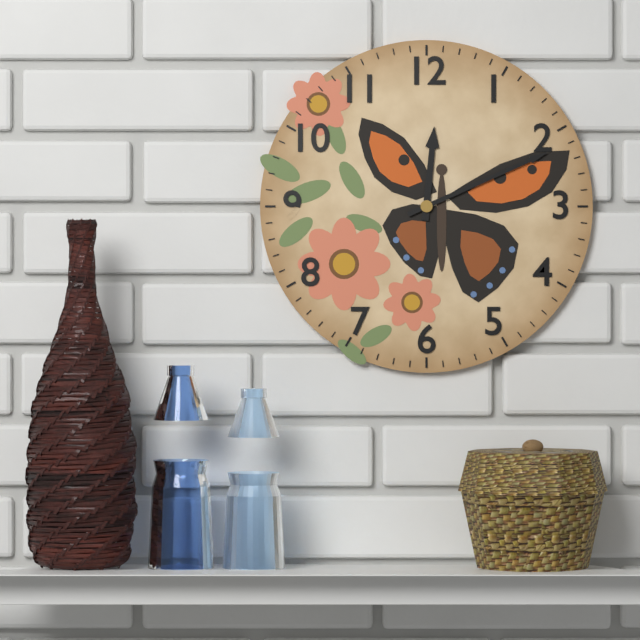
12:11
